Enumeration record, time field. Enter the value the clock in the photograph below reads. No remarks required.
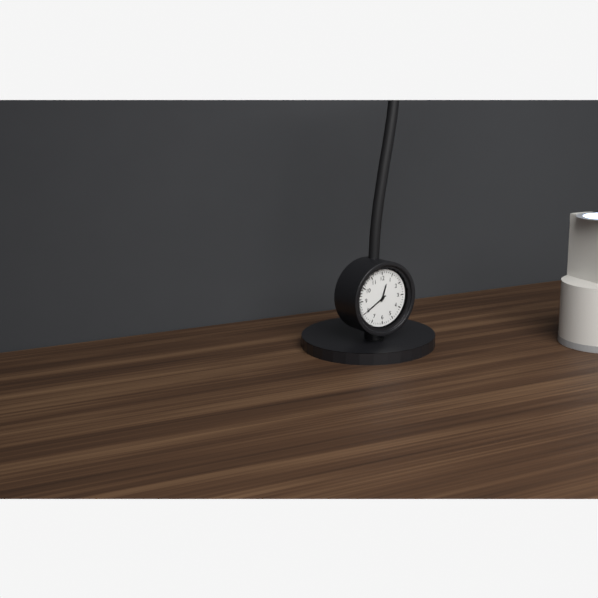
12:40
